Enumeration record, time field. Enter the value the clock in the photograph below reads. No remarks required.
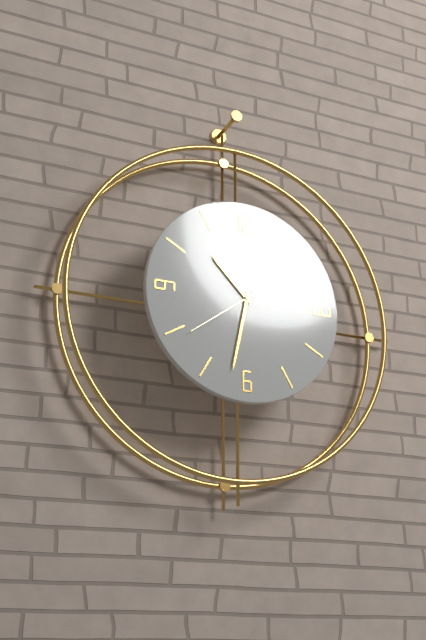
10:32:39
